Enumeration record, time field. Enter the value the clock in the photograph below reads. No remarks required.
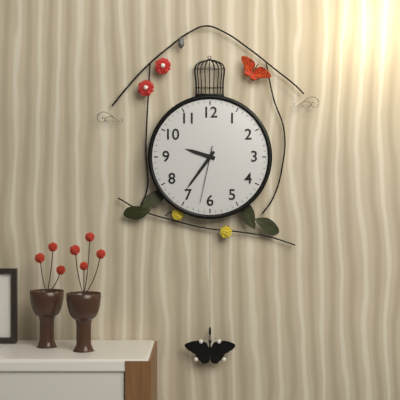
9:36:32
